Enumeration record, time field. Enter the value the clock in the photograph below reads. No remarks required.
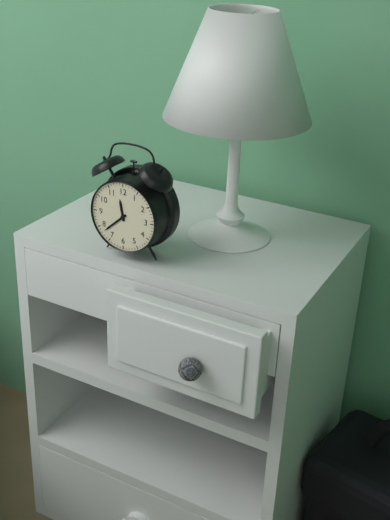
11:38
